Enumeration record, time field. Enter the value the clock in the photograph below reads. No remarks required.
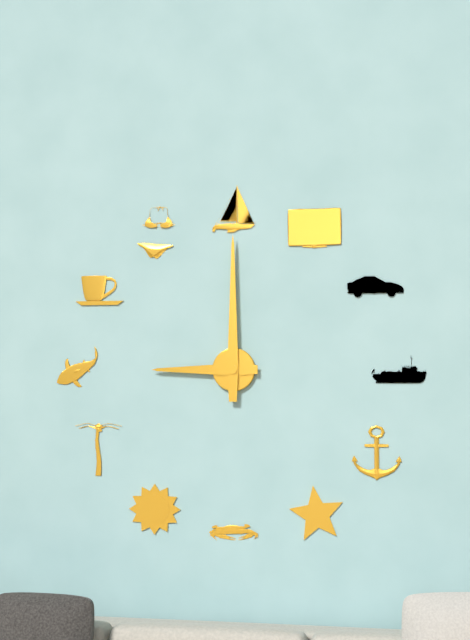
9:00
